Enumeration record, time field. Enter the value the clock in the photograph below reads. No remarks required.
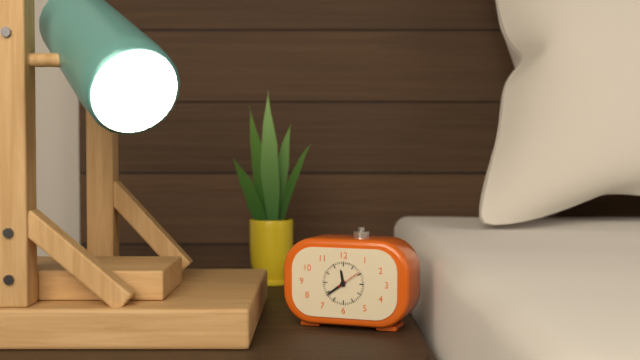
11:39
